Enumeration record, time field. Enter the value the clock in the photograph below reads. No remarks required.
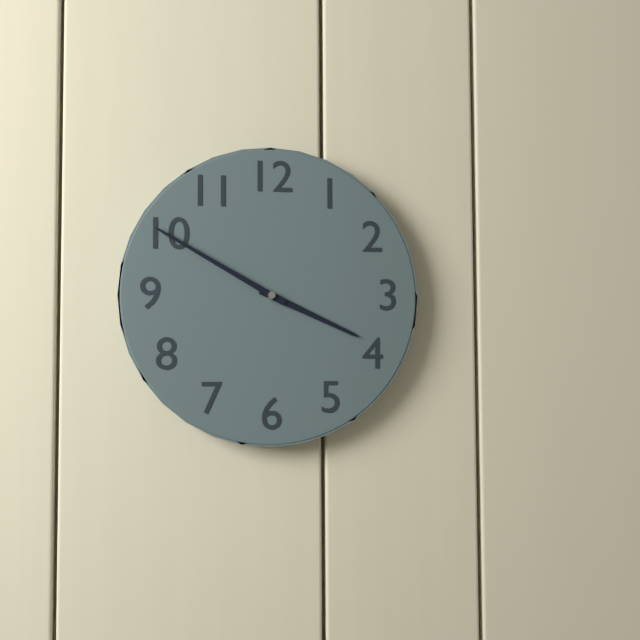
3:50
